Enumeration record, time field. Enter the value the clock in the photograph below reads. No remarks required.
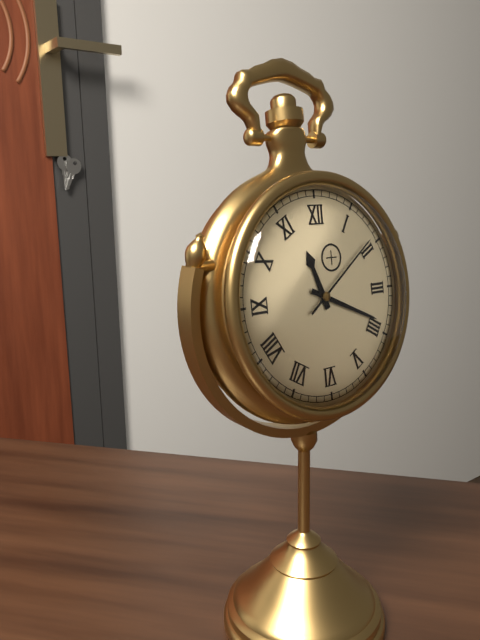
11:19:09
